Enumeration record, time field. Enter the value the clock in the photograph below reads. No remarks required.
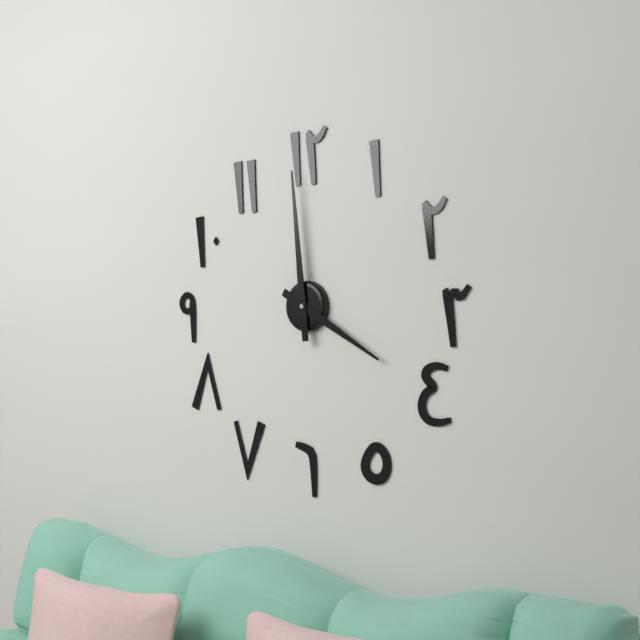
3:59
